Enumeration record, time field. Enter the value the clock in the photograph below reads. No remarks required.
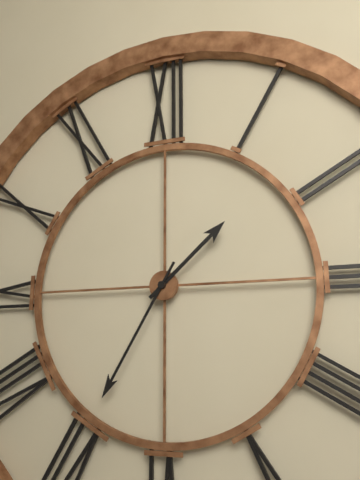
1:35
